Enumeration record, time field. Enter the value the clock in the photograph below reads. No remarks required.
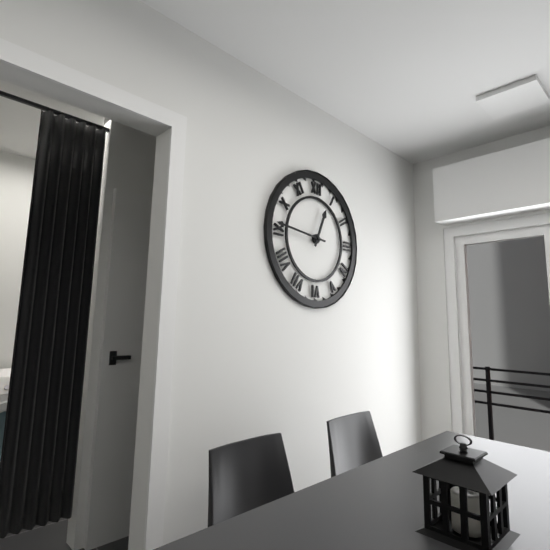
12:46
